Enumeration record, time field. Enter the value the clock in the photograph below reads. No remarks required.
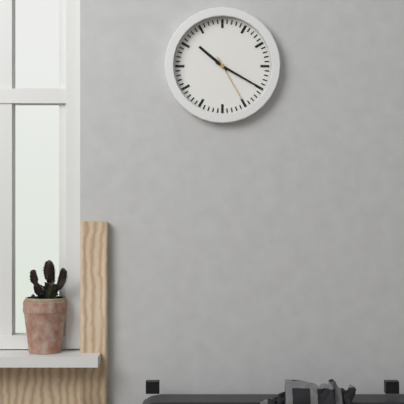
10:20
